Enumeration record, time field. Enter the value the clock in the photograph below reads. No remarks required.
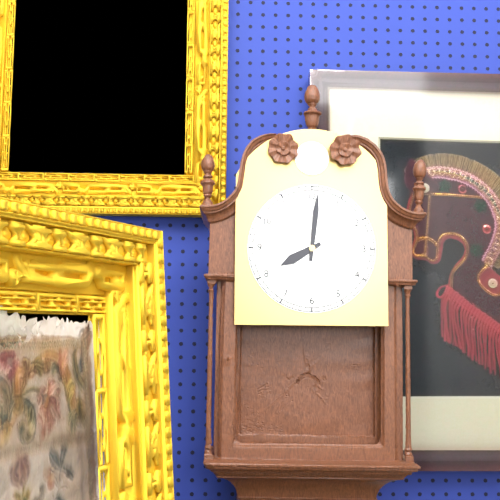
8:01
